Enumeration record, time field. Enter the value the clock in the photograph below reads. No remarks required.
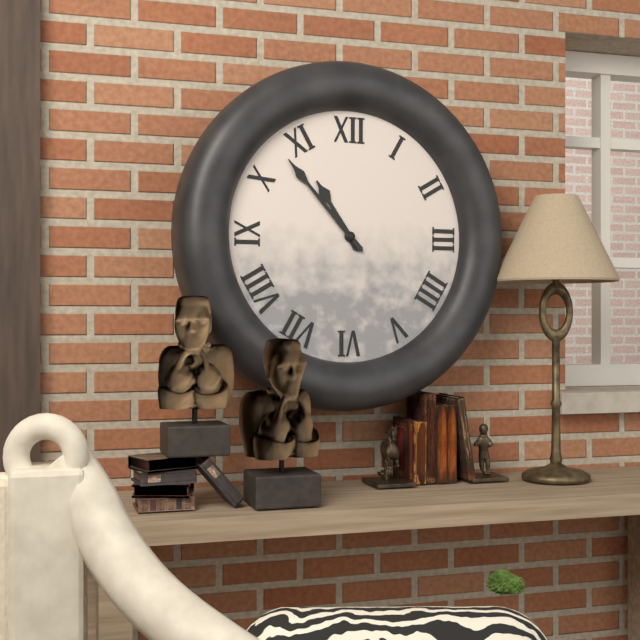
10:53
